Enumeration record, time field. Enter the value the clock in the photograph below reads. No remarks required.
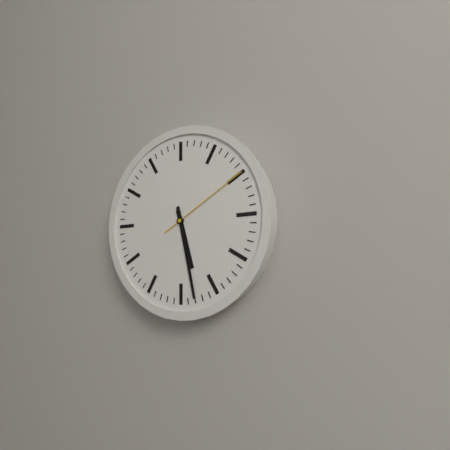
5:28:10
